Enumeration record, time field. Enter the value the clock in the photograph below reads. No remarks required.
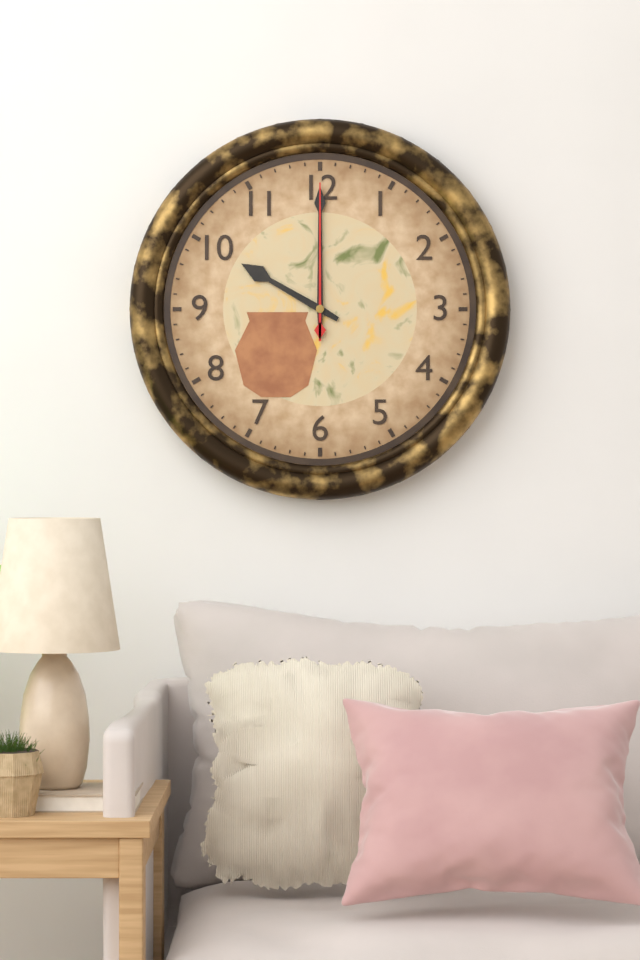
10:00:00
